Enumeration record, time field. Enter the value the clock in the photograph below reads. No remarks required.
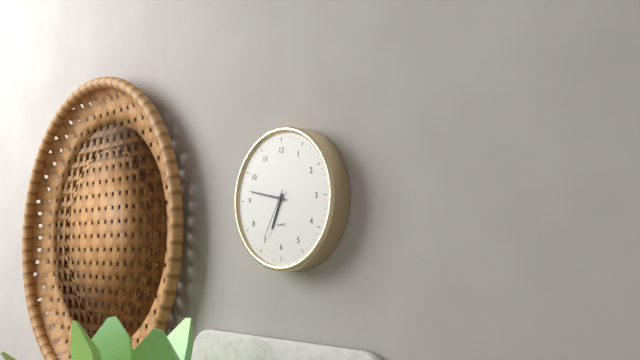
6:47:35
